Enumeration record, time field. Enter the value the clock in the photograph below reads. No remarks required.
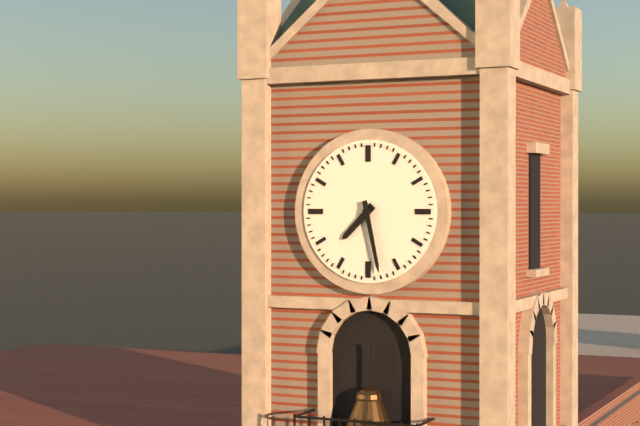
7:28
